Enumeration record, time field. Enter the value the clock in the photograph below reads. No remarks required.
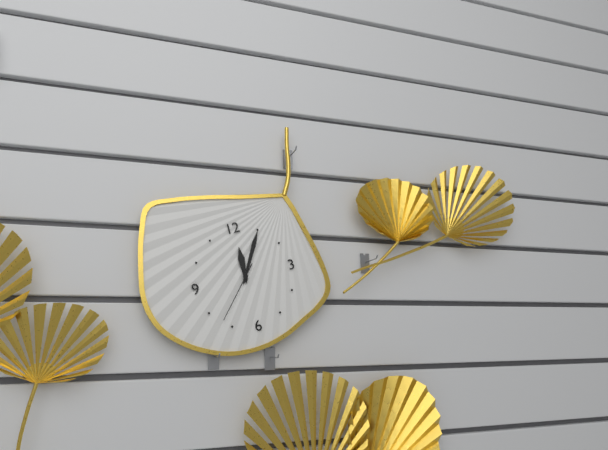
12:05:37
